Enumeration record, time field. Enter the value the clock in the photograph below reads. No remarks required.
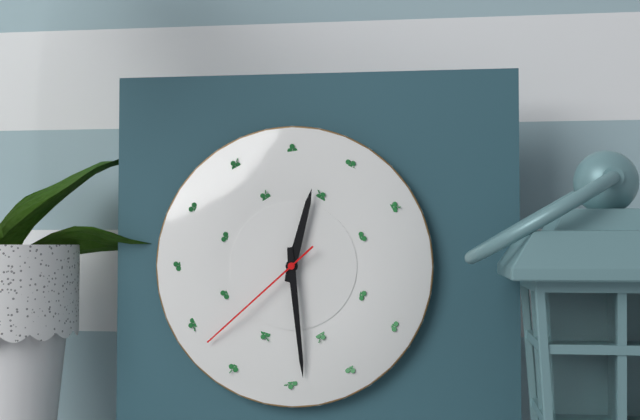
12:29:38
